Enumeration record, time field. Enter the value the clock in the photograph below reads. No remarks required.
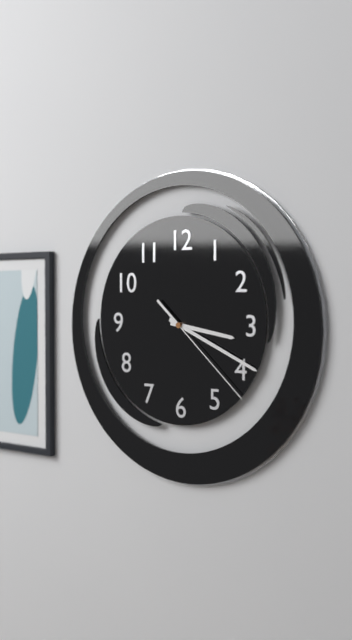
3:19:22
